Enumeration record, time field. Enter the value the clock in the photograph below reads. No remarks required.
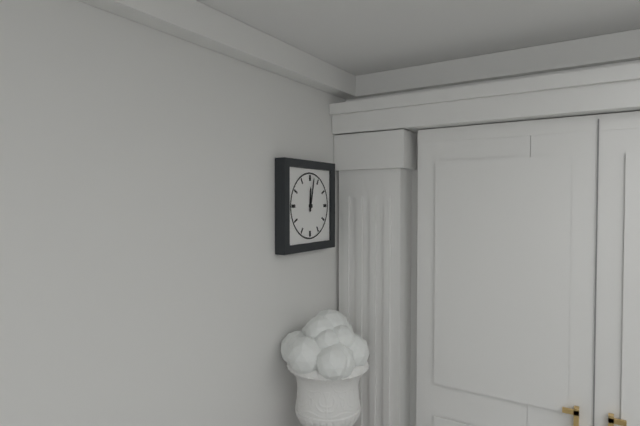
12:02
